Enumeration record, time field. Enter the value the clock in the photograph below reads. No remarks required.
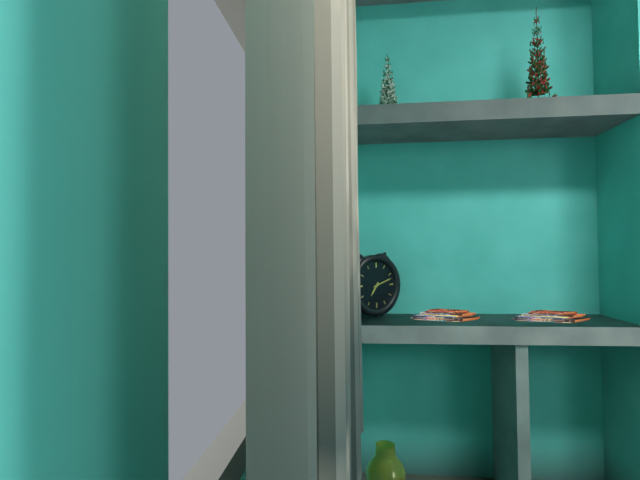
7:12
